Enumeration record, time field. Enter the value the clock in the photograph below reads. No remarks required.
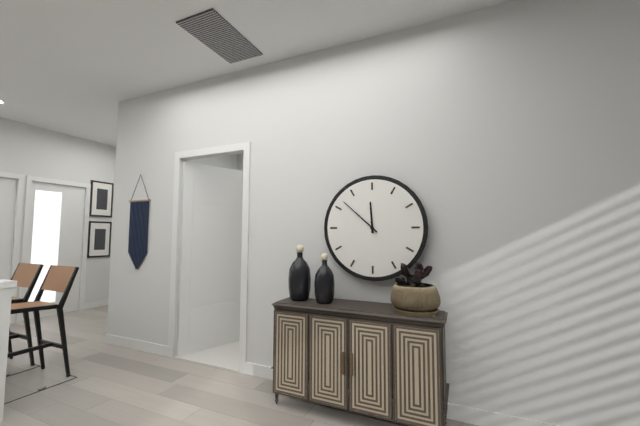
11:52
